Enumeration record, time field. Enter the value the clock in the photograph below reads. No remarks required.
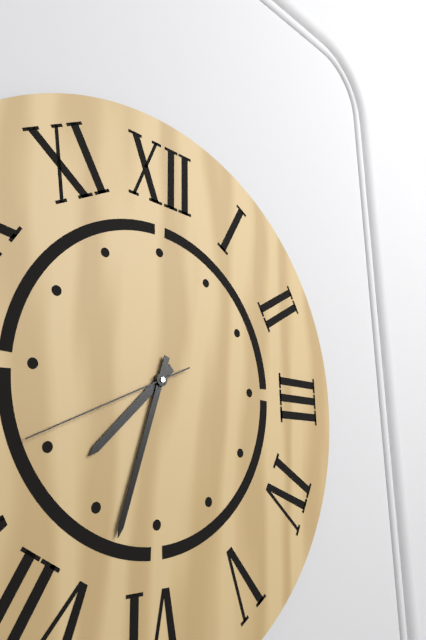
7:33:41
